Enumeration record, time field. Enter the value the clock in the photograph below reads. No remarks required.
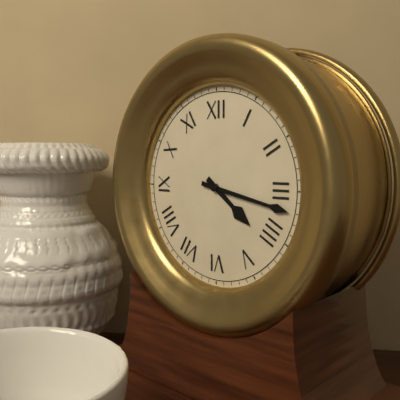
4:17
